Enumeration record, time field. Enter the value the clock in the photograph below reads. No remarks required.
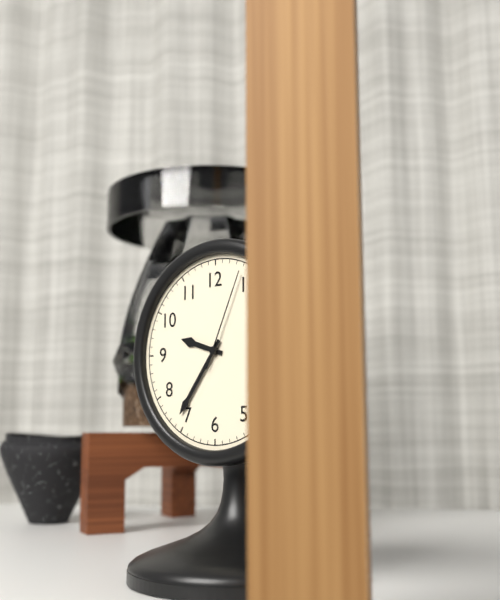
9:36:04
